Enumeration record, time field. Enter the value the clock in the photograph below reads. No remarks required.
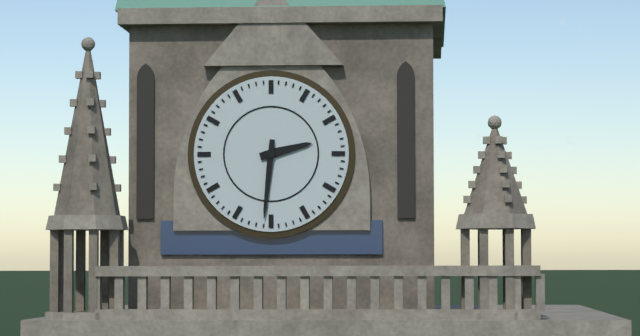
2:31
